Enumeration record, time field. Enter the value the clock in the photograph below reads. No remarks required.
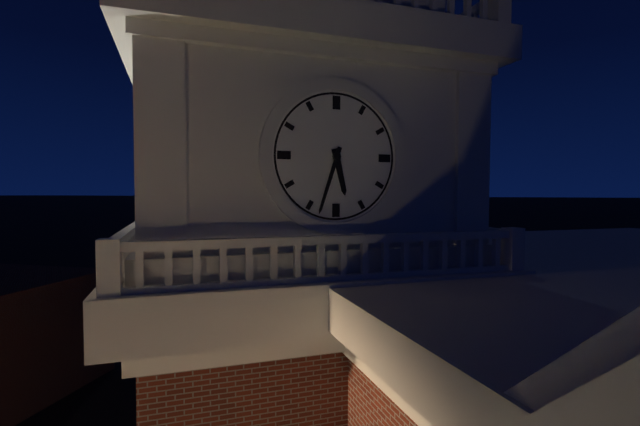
5:33
